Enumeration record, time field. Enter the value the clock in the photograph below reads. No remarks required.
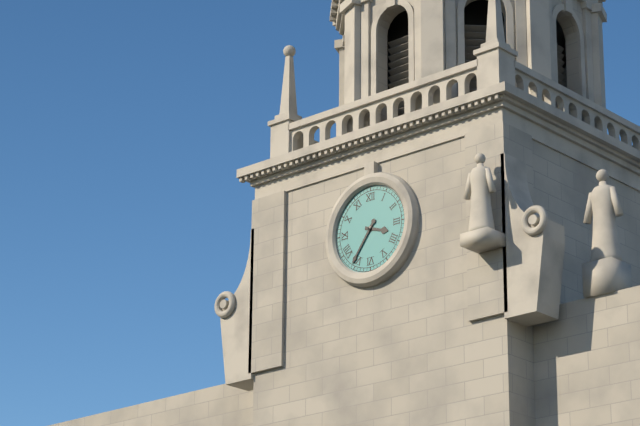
3:36
